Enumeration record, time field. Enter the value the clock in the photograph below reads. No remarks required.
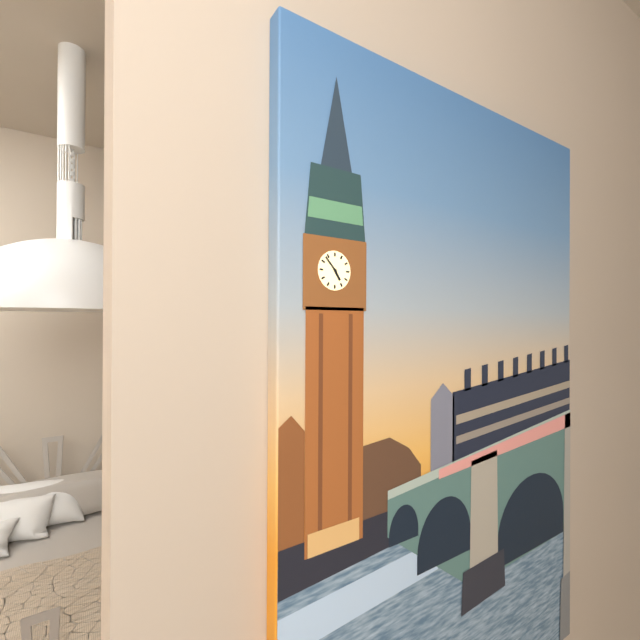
4:53
